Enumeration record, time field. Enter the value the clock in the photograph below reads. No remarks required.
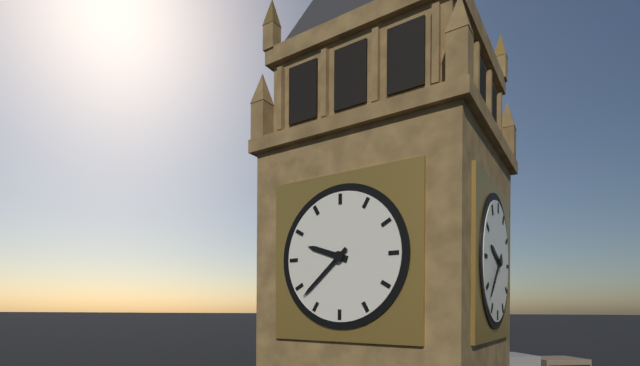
9:38
